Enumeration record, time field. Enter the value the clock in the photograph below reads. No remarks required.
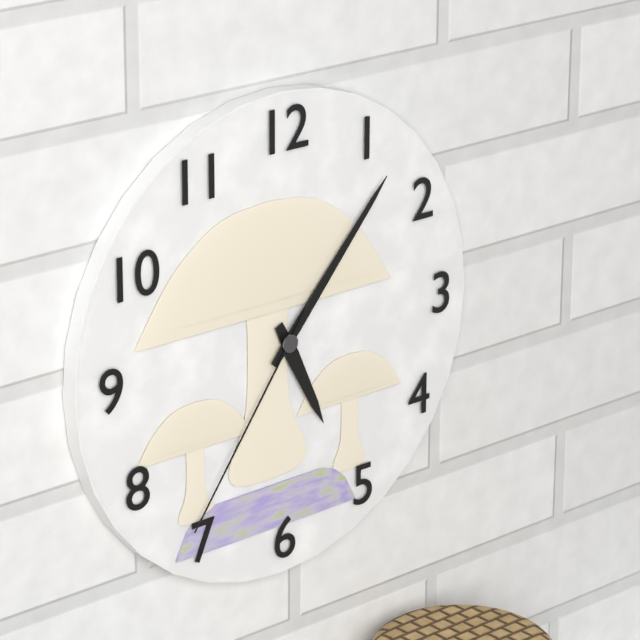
5:07:36
